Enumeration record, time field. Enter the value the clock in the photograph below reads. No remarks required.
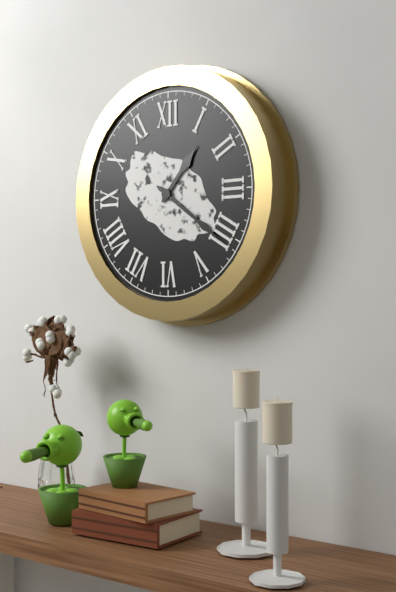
1:21
